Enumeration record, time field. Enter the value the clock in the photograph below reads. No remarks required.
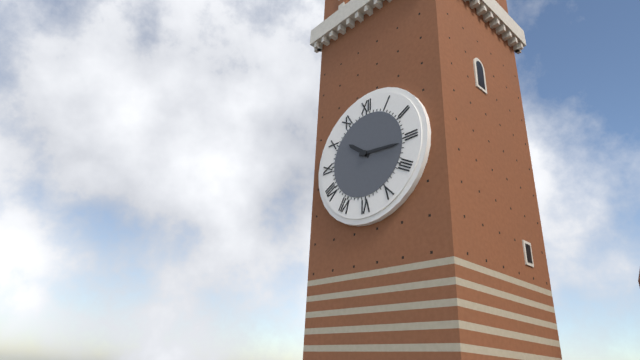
10:16
